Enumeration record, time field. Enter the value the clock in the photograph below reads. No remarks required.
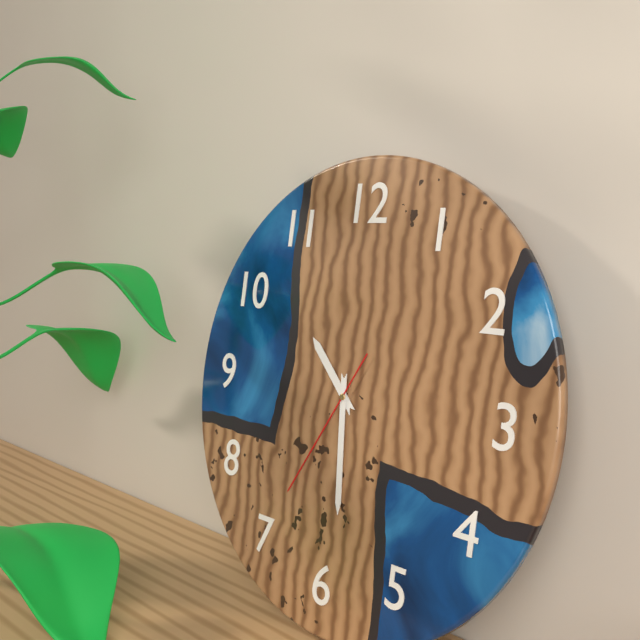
10:29:35
